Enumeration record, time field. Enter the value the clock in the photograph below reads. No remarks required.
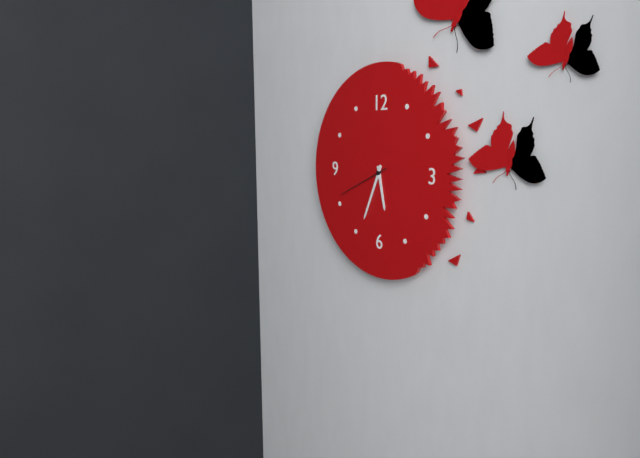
5:34:41
